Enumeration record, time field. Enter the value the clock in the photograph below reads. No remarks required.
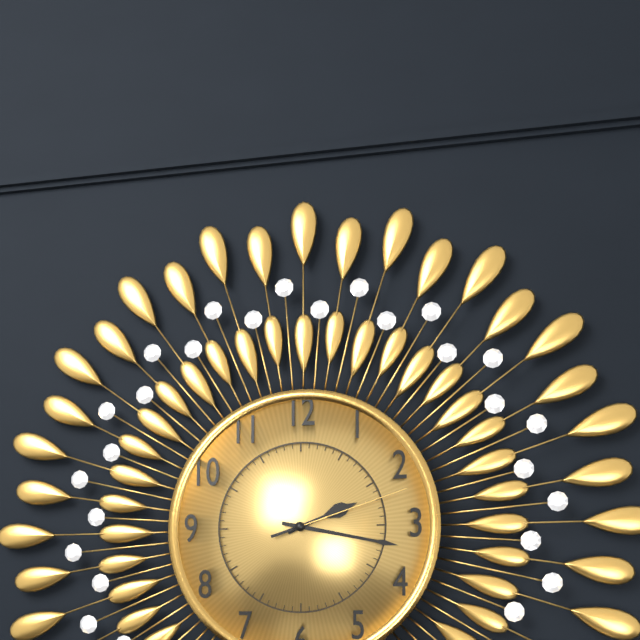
2:17:12
